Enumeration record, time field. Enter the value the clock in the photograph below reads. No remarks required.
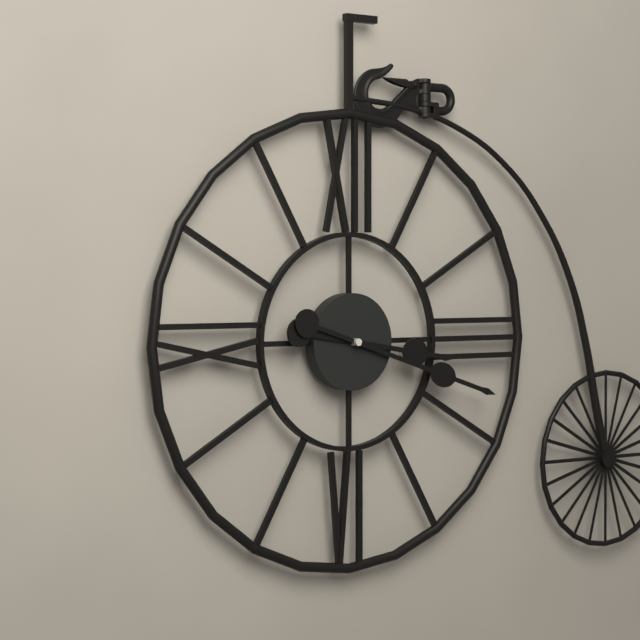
3:18
